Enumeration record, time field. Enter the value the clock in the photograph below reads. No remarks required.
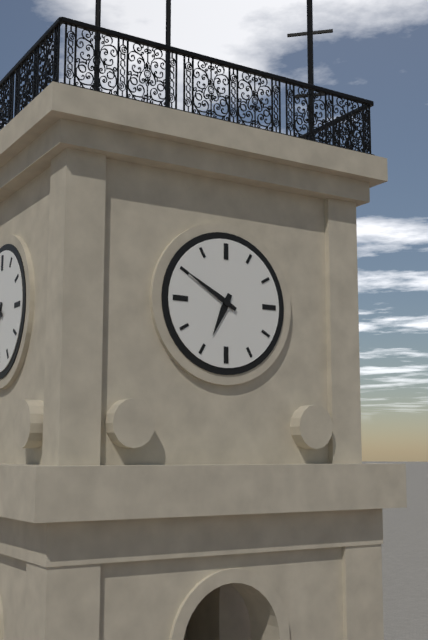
6:50
